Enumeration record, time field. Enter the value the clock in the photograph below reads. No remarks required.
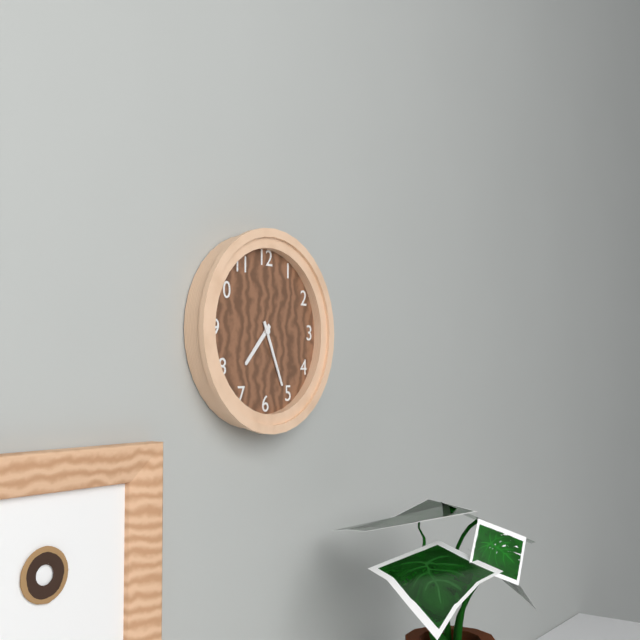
7:26
